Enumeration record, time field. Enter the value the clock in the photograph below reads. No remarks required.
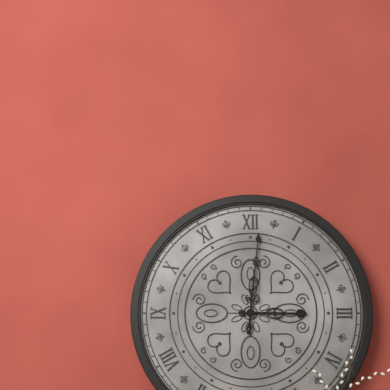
3:01
